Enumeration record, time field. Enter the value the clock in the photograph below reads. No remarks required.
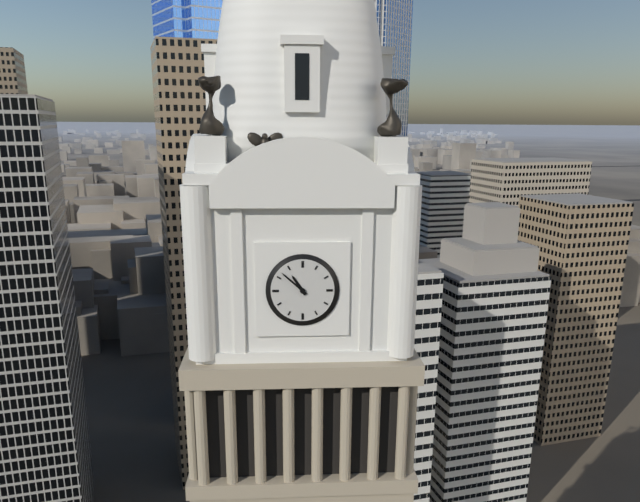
10:52
